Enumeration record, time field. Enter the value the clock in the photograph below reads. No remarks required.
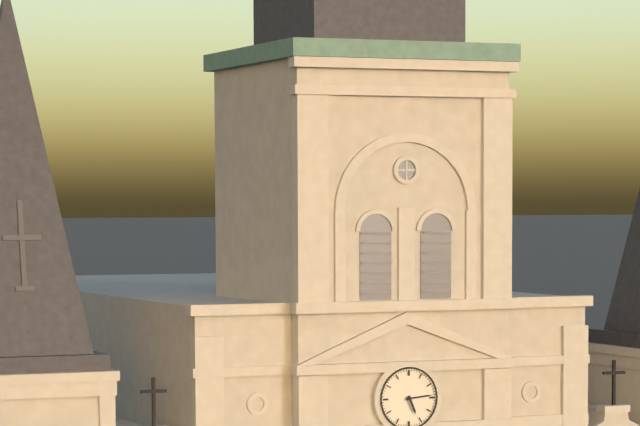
5:14
